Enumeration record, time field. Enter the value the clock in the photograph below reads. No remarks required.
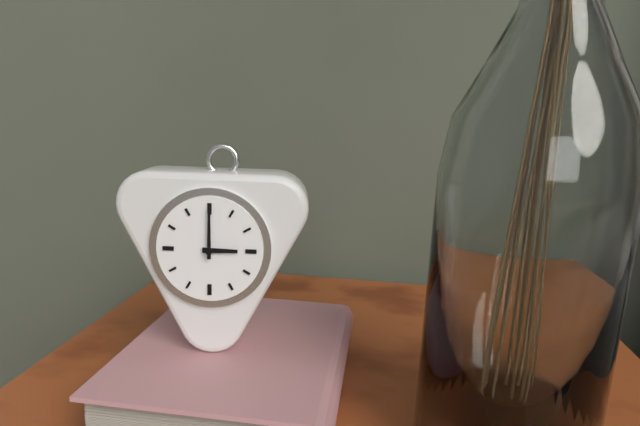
3:00
